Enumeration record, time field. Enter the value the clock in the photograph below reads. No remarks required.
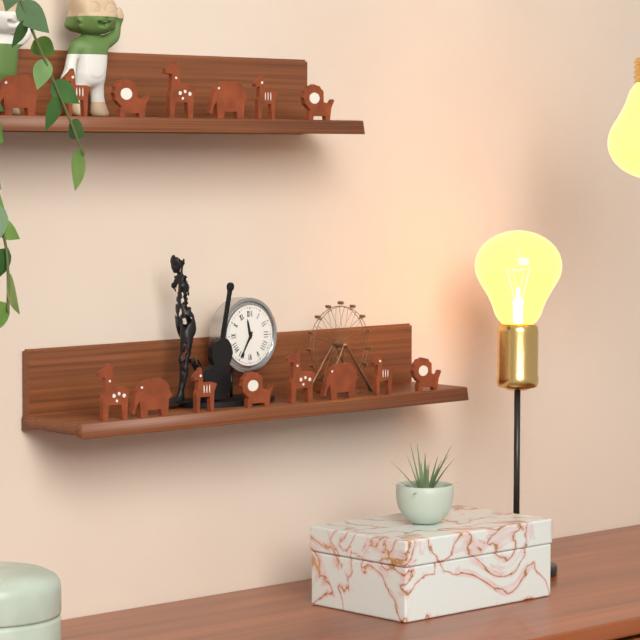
11:35
